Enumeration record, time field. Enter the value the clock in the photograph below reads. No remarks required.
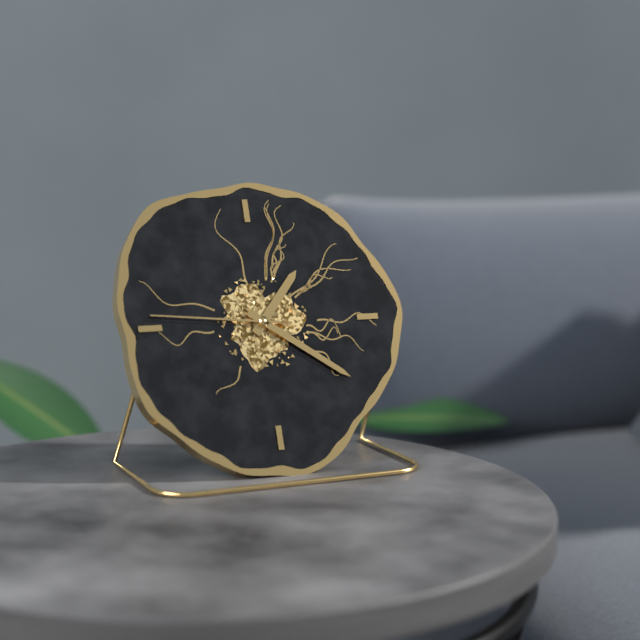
1:21:46
